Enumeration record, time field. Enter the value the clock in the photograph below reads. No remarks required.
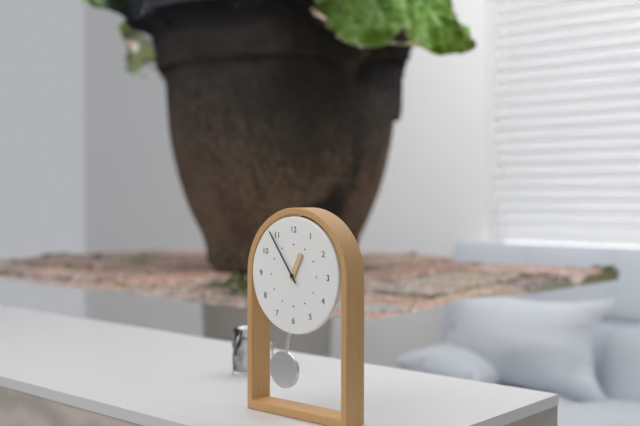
12:54
